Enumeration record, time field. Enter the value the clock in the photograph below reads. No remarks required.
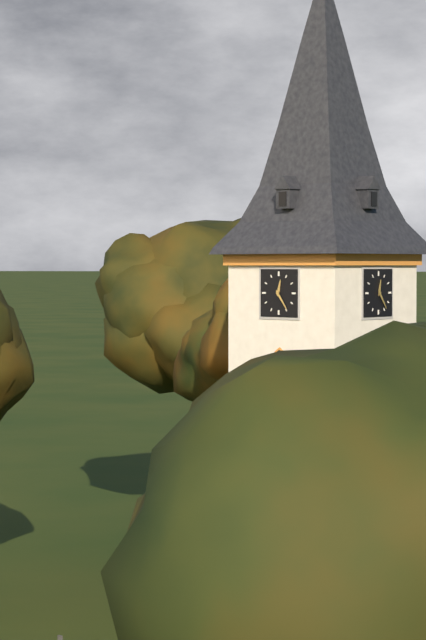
12:24
